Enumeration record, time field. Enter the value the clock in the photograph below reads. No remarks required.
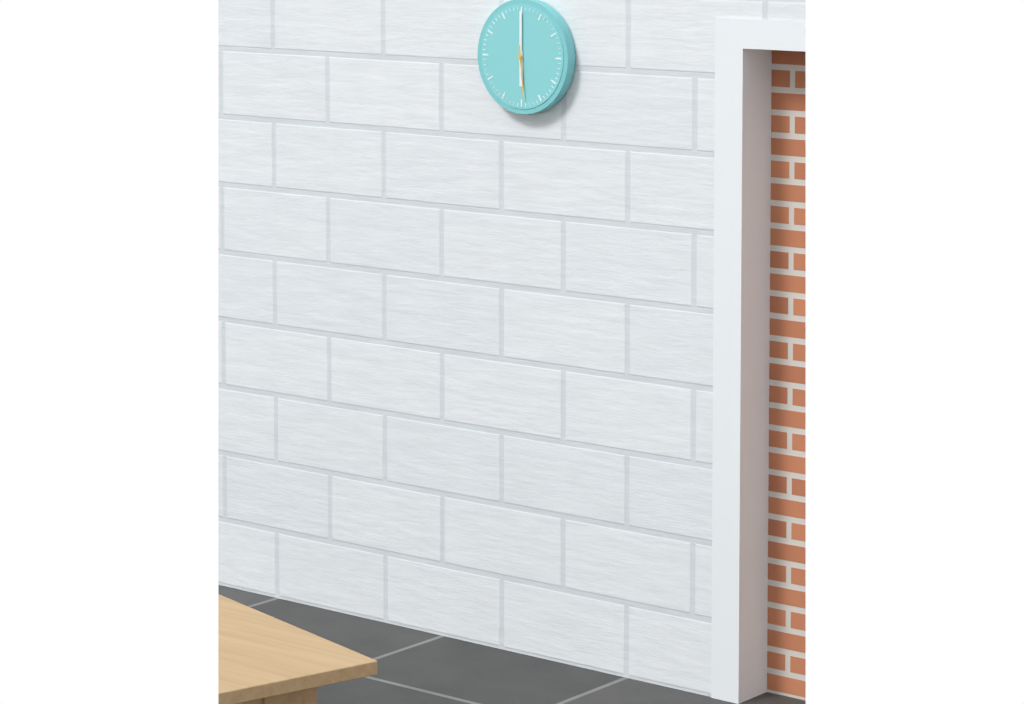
6:00:29
